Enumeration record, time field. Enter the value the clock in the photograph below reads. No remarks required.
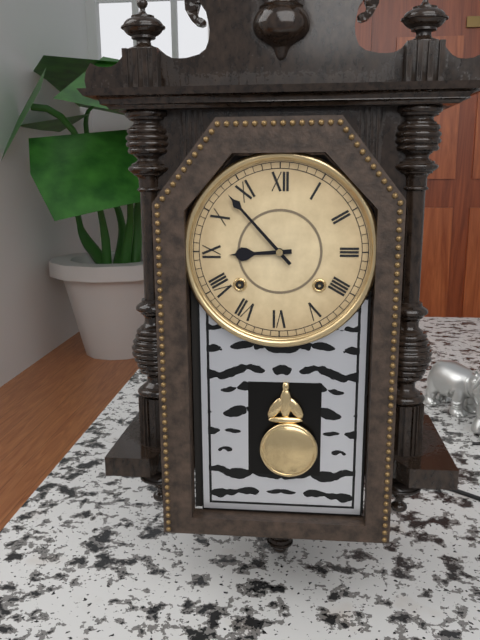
8:53
